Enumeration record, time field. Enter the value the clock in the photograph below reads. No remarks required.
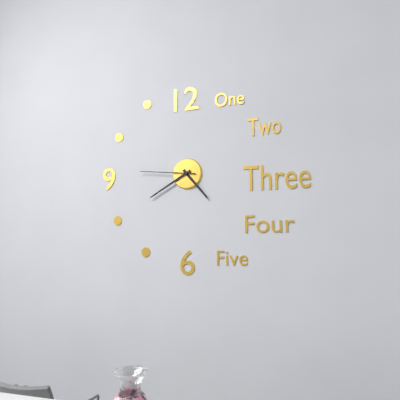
4:40:46
